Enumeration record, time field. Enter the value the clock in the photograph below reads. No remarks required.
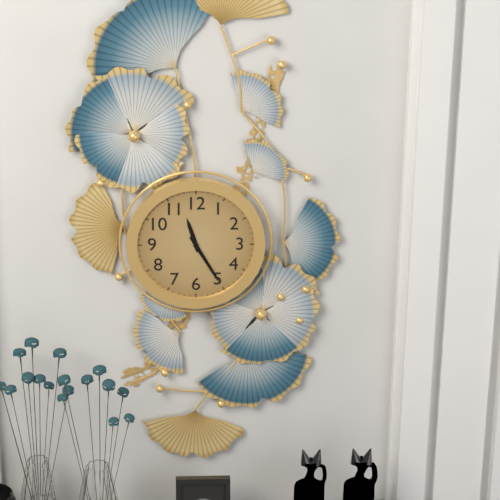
11:25
